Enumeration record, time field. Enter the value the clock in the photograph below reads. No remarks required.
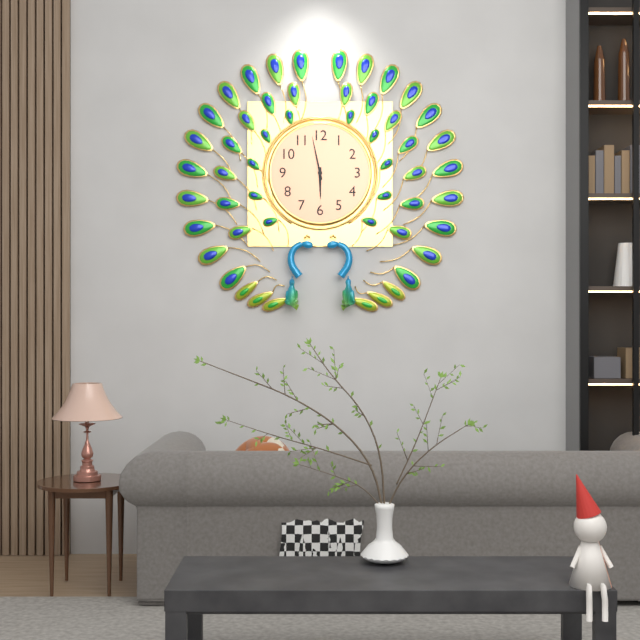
5:58
